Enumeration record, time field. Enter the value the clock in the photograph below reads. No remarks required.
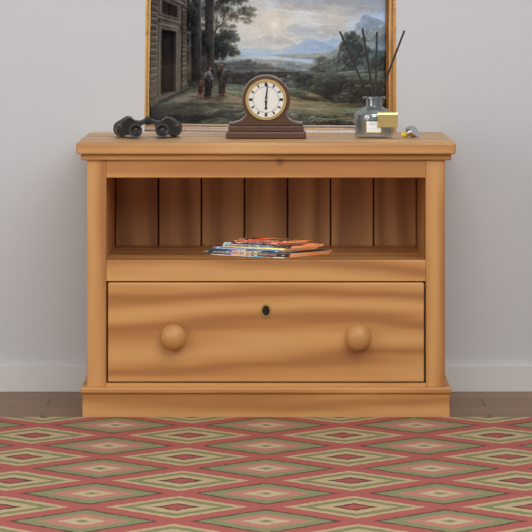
6:01
